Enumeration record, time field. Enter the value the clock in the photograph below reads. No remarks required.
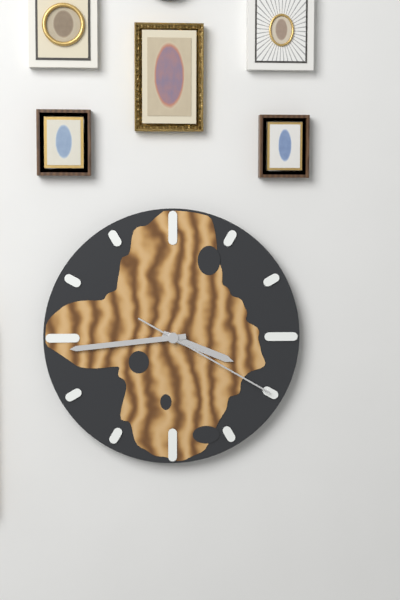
3:44:20
